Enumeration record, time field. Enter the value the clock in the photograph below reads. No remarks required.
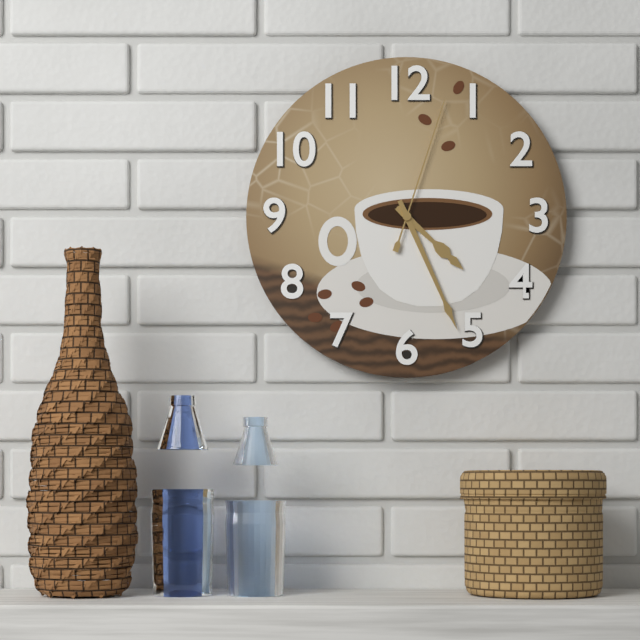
4:26:03
